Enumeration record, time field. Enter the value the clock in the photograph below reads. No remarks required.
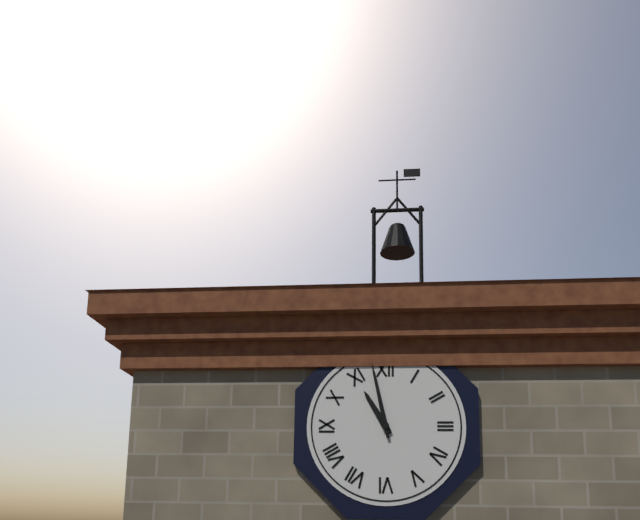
10:58
